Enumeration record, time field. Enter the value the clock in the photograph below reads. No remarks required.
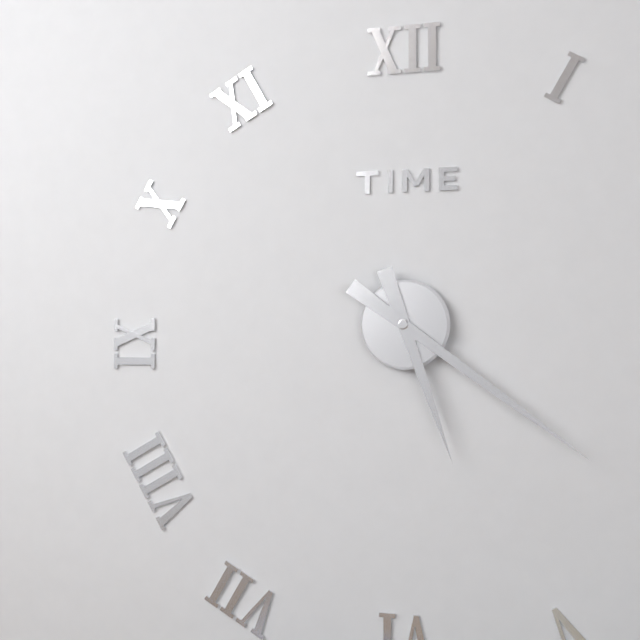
5:21
